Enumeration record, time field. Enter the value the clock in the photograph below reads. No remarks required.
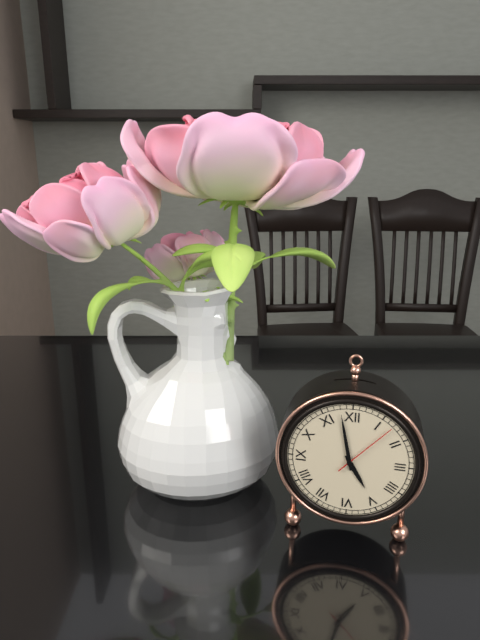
4:58:07
